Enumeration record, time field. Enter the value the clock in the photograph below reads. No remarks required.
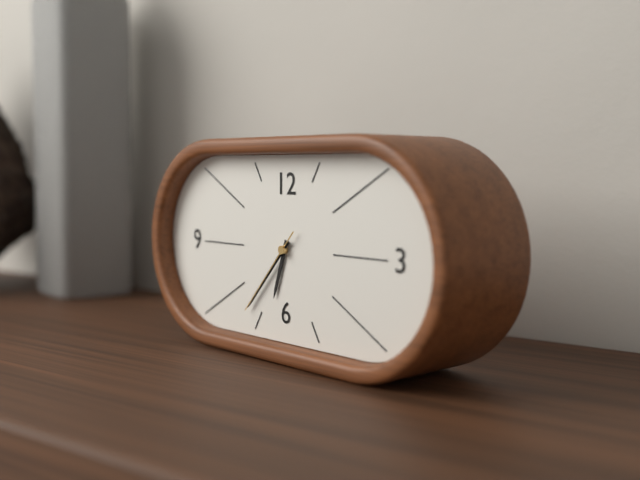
6:37:37
